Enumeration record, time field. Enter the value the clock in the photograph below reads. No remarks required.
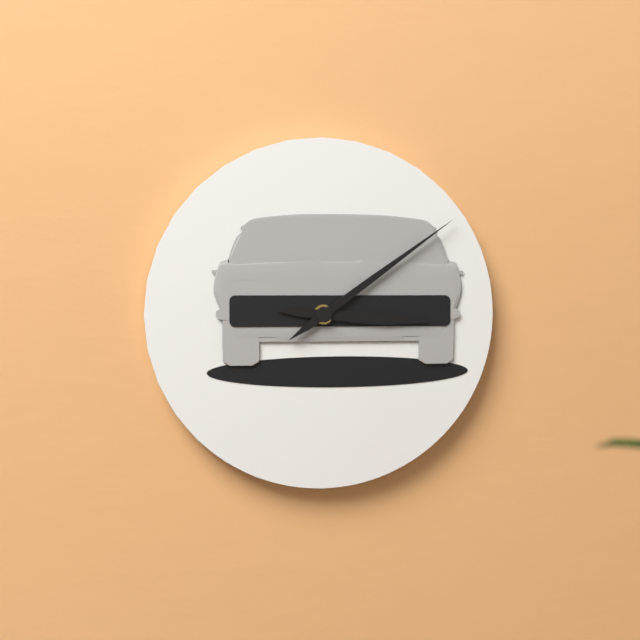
3:09
